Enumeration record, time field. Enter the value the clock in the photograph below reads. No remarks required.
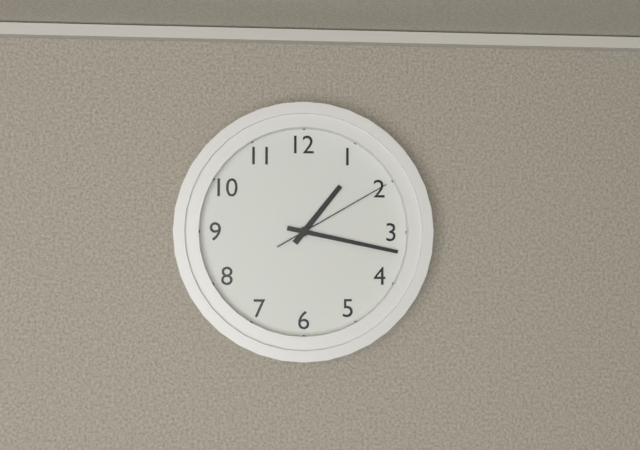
1:17:10
